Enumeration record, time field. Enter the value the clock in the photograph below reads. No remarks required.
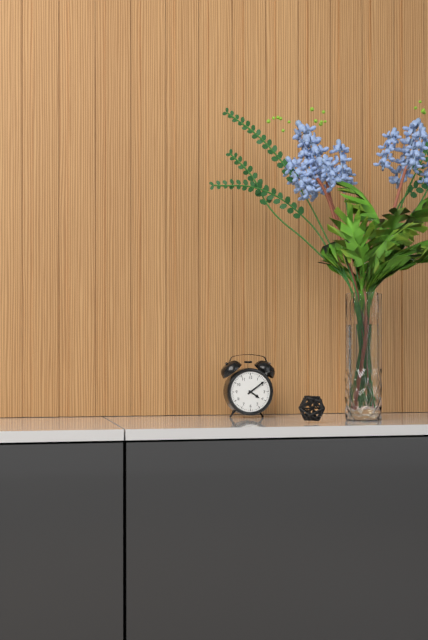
4:09
